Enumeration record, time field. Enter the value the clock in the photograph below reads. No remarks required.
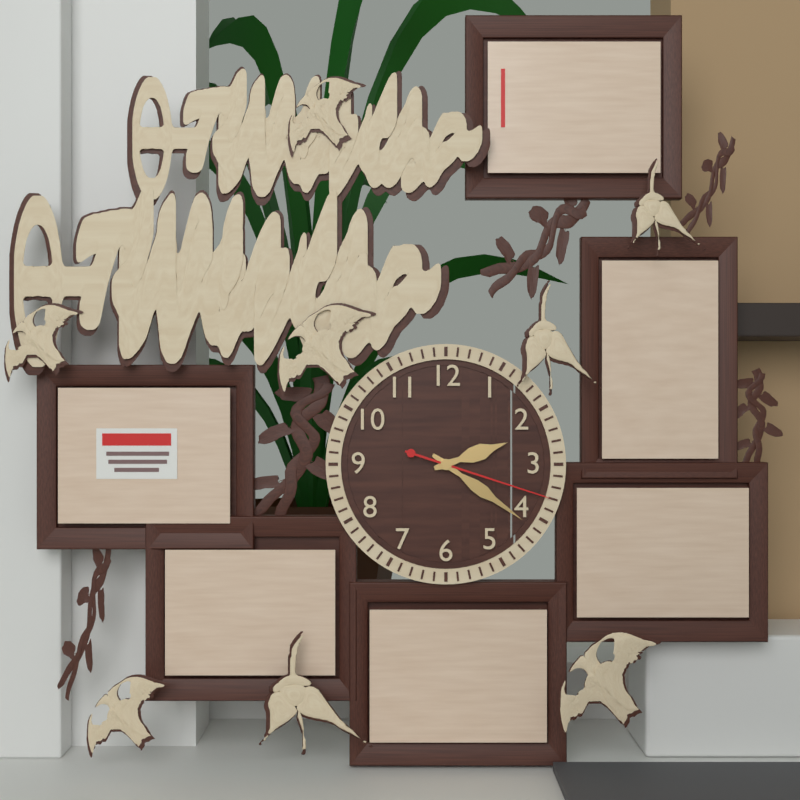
2:21:18
